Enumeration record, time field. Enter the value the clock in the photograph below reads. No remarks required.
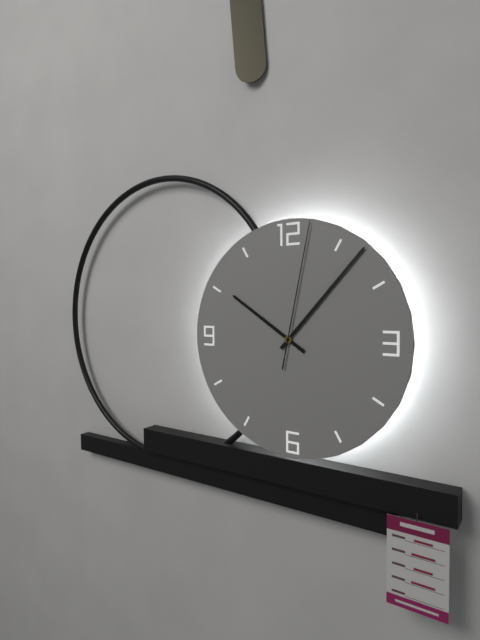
10:07:02
